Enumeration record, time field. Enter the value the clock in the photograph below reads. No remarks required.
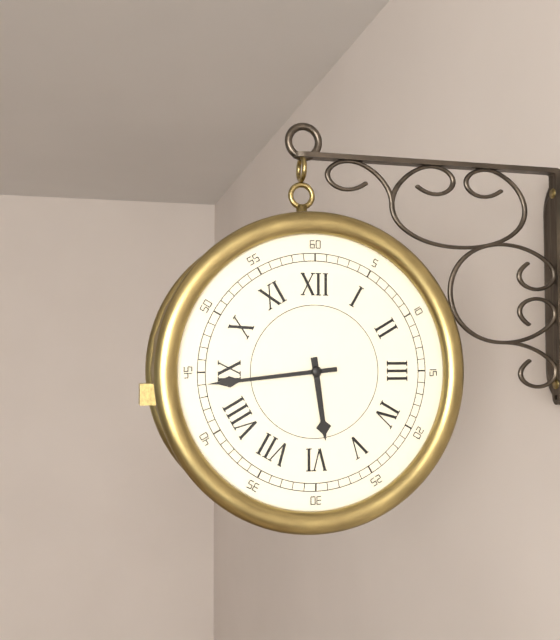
5:44
